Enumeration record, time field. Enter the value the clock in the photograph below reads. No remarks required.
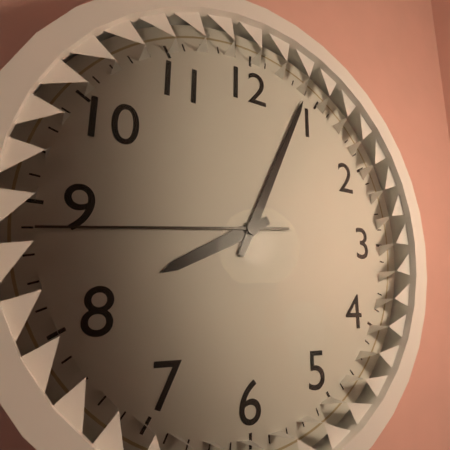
8:04:44
